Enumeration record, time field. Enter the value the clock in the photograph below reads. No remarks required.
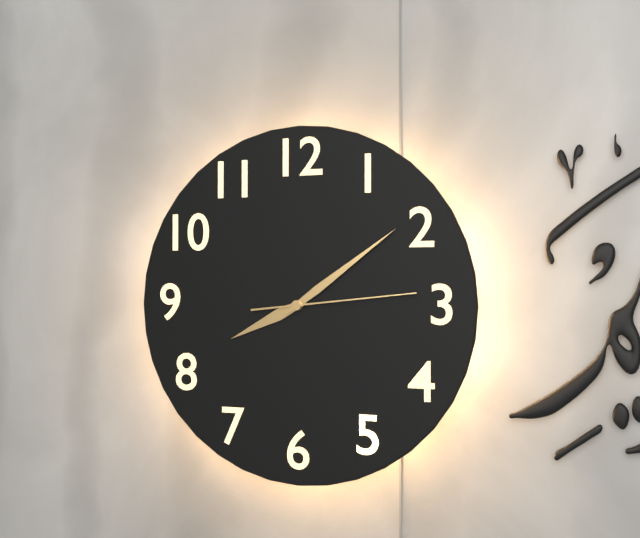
8:09:14
